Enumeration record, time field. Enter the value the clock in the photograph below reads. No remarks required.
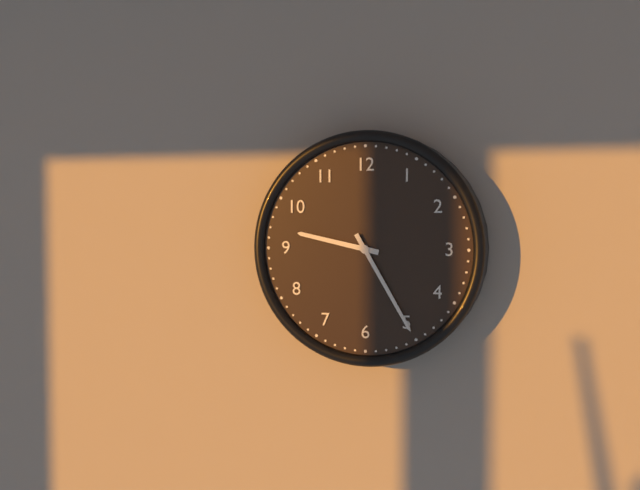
9:25
